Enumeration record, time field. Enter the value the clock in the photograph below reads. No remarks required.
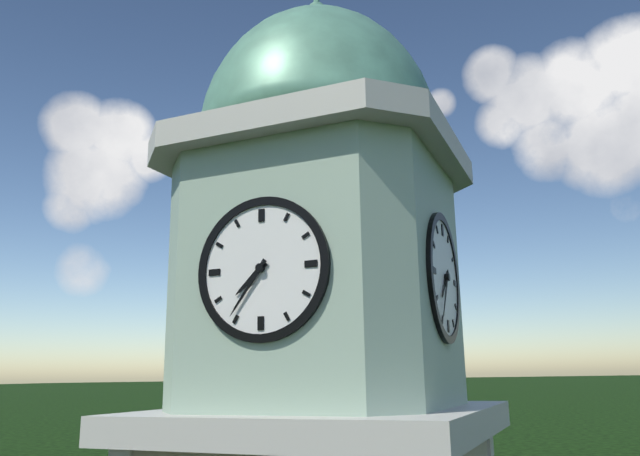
7:36
